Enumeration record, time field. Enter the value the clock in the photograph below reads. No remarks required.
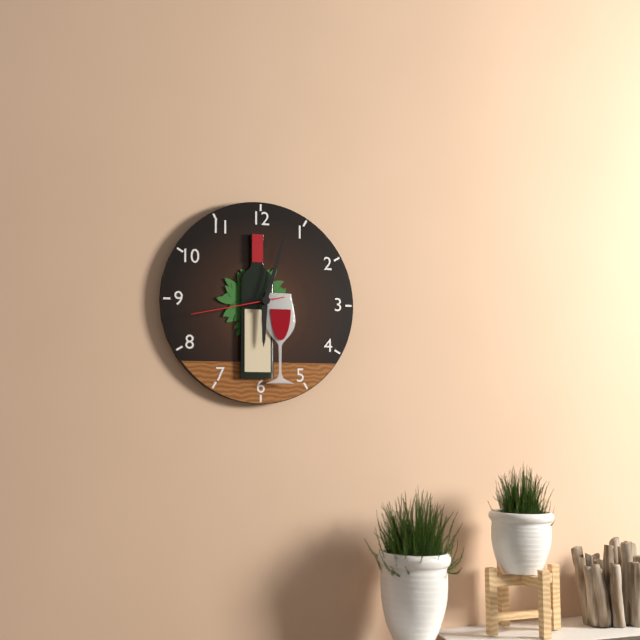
6:03:43
